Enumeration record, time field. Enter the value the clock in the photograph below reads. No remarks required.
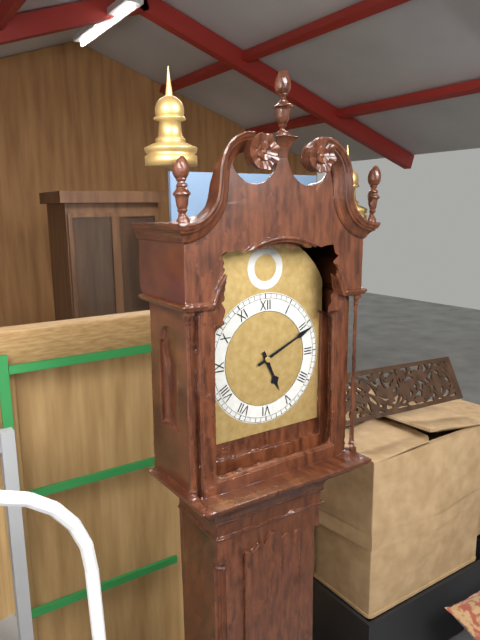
5:11
